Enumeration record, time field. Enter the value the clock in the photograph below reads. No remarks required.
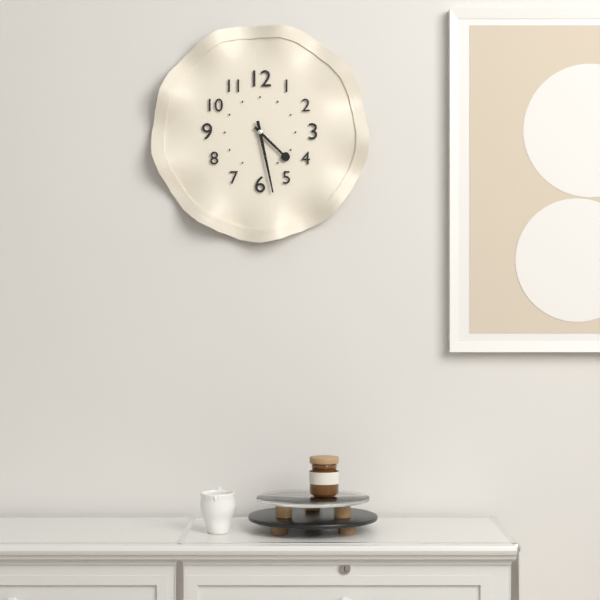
4:28
